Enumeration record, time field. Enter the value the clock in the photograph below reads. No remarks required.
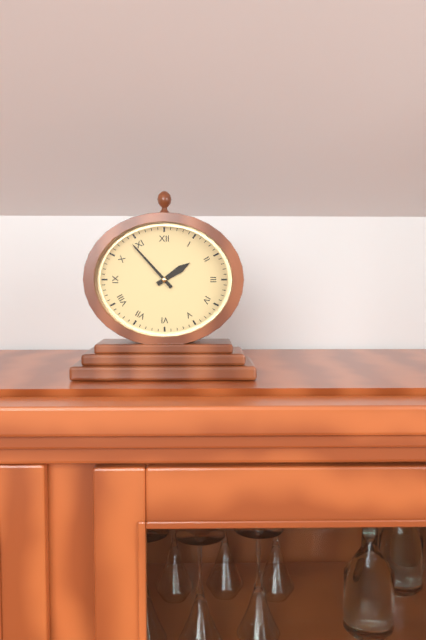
1:53
